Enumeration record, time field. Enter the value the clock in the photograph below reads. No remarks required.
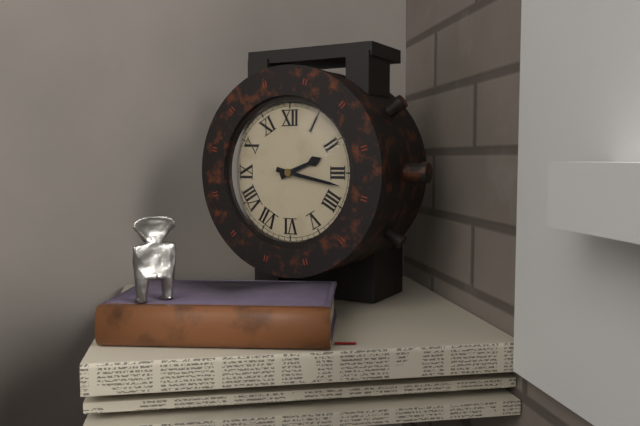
2:17
